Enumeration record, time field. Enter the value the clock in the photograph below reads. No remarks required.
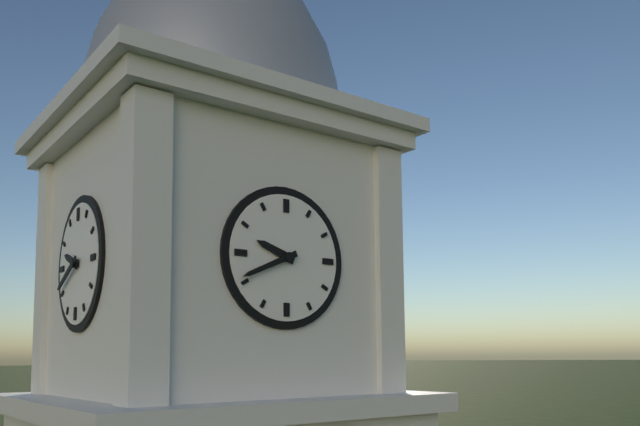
9:41
